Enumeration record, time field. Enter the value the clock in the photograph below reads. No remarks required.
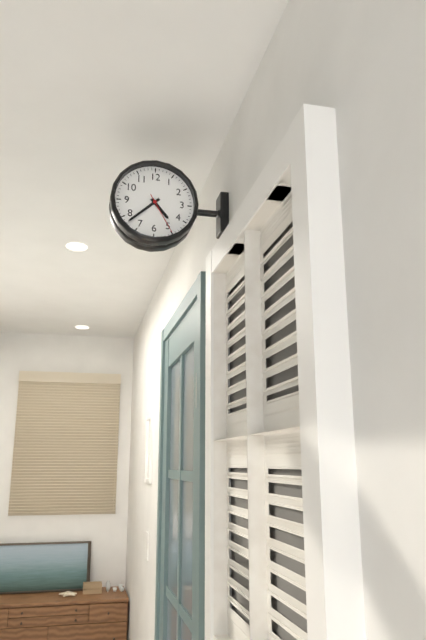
4:38
